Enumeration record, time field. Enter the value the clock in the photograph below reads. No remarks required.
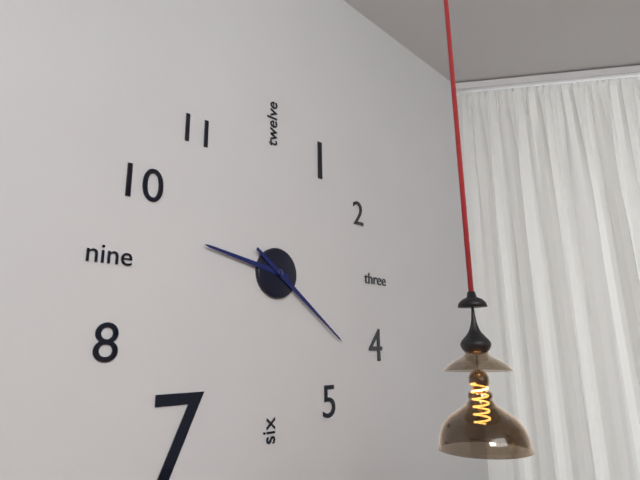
9:21
